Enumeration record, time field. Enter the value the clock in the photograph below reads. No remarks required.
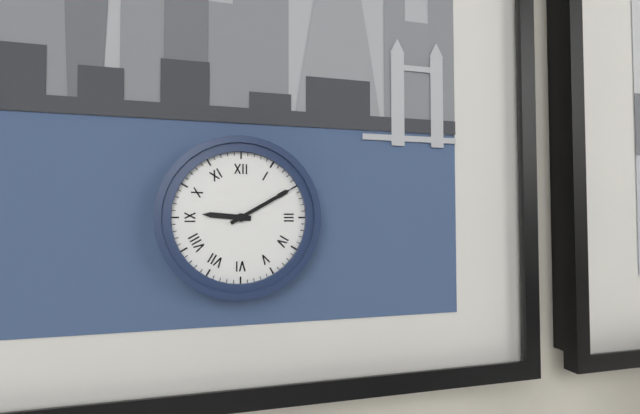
9:10
